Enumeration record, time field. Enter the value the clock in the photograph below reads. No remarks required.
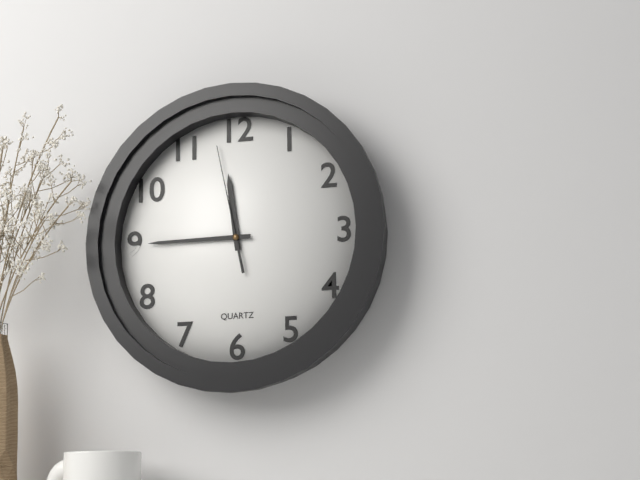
11:45:58
